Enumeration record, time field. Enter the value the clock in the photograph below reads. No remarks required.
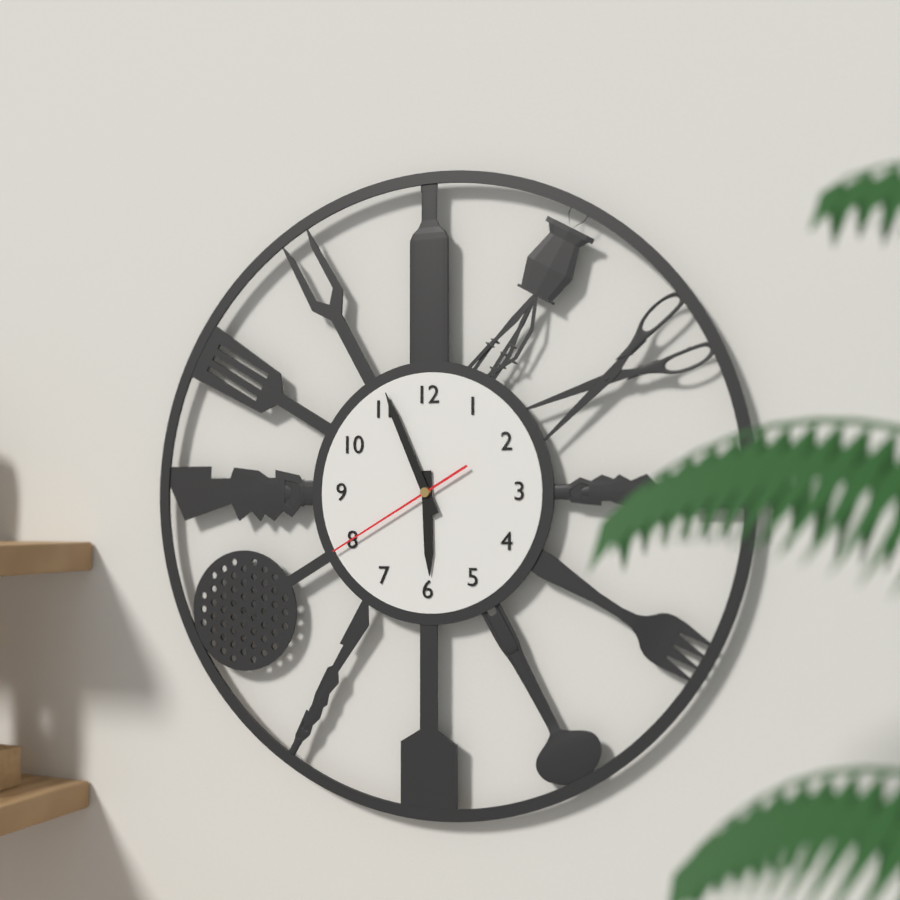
5:56:40
